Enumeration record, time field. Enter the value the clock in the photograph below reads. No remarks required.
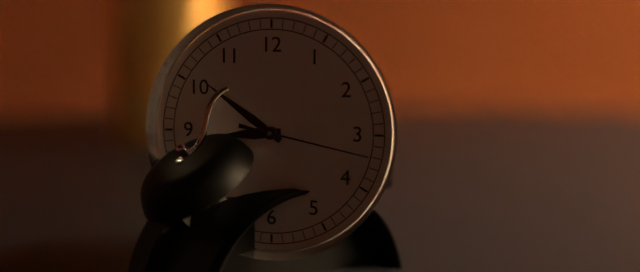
8:51:17
